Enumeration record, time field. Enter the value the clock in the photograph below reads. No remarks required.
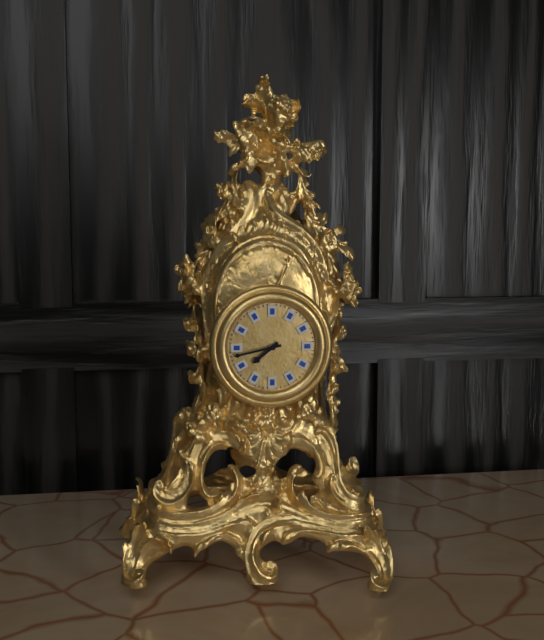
7:43
